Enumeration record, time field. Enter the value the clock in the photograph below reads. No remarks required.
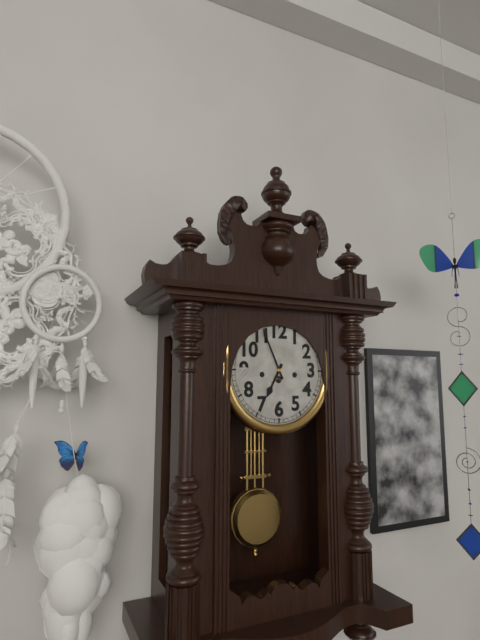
6:56
